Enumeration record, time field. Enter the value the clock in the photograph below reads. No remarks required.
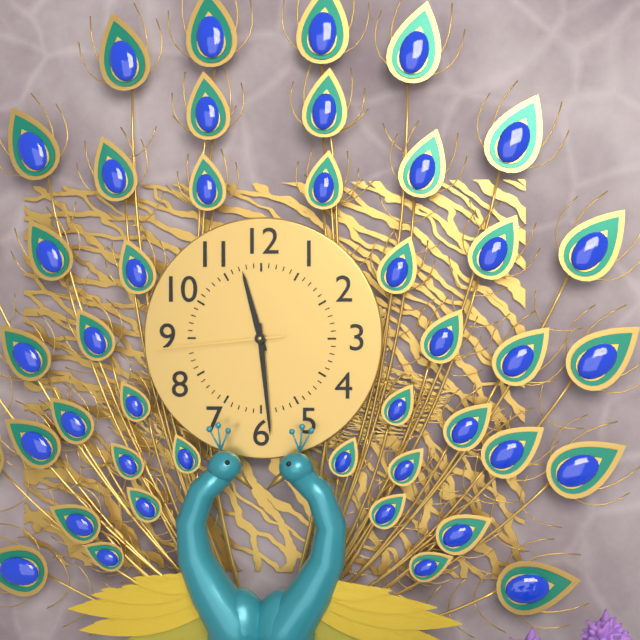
11:29:44
